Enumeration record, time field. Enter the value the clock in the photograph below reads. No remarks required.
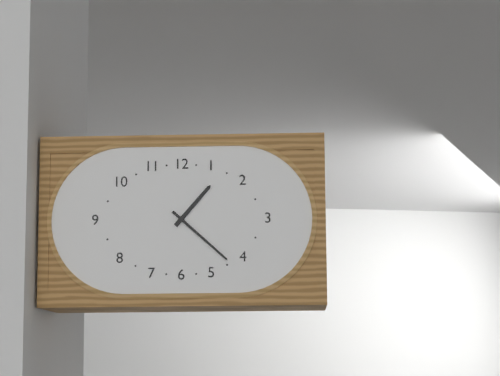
1:22
